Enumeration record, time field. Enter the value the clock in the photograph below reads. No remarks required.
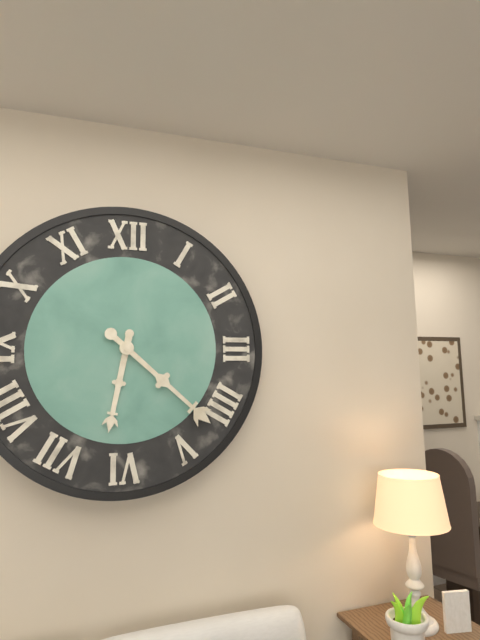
6:22
